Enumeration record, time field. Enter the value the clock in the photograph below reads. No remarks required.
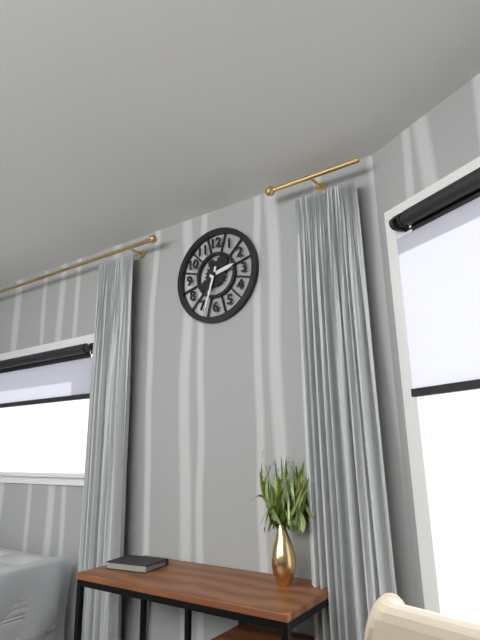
2:33
